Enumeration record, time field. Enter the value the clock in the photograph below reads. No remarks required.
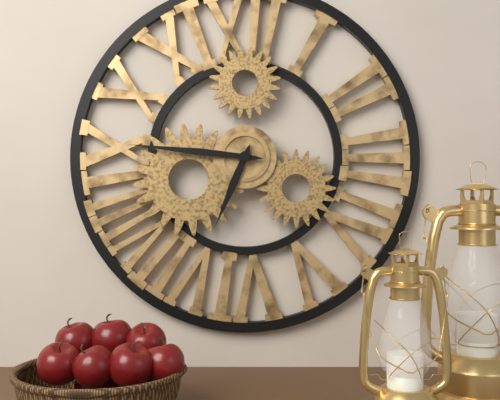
6:46
